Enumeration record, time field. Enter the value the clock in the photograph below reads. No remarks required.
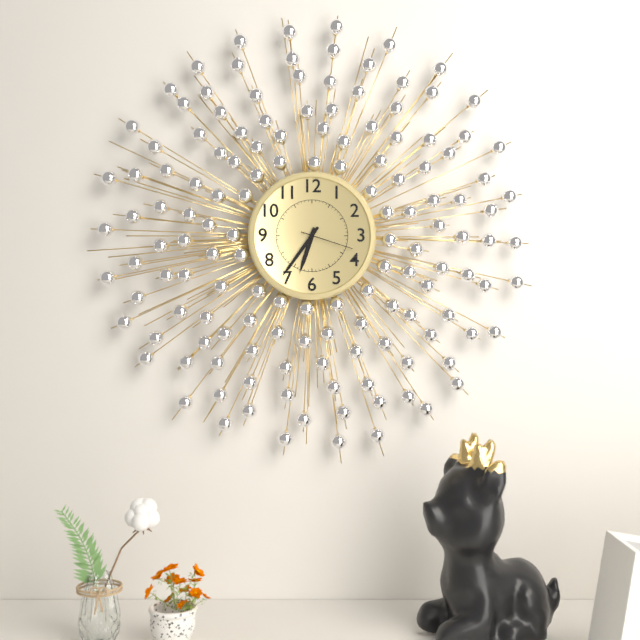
6:36:18
